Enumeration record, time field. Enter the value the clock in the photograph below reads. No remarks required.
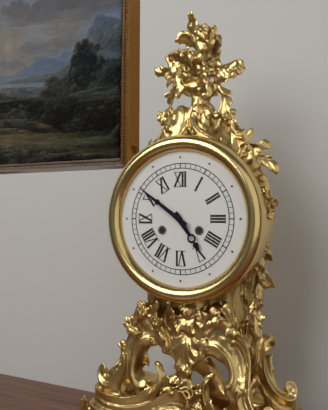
4:51
